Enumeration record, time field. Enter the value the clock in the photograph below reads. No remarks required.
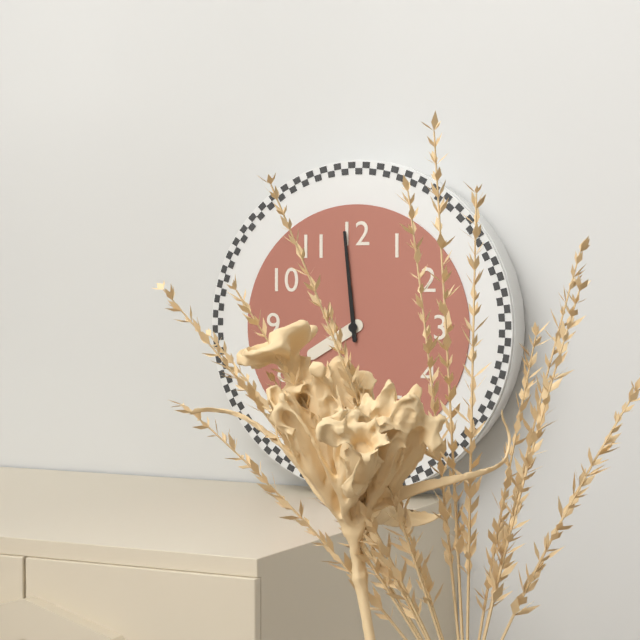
7:59
